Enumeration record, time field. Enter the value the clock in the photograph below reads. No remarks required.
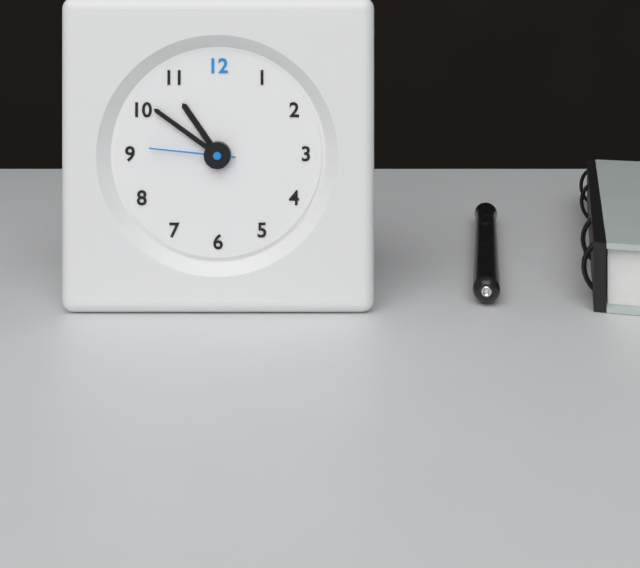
10:51:46
